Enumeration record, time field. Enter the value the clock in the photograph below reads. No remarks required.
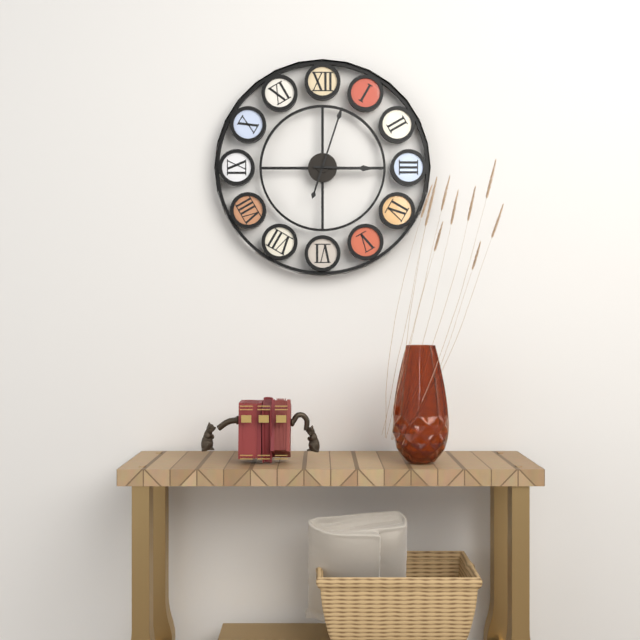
3:03
